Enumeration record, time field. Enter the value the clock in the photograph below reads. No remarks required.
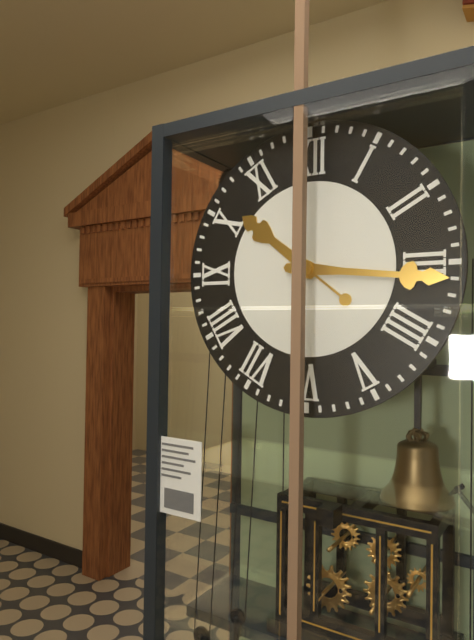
10:16
